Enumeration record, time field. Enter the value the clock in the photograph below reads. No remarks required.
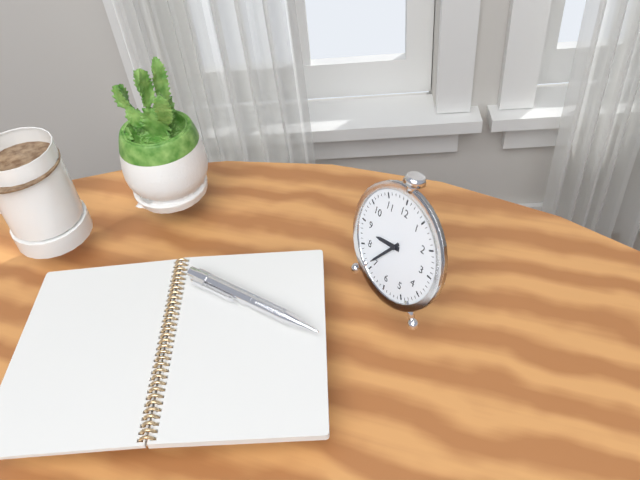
8:36
